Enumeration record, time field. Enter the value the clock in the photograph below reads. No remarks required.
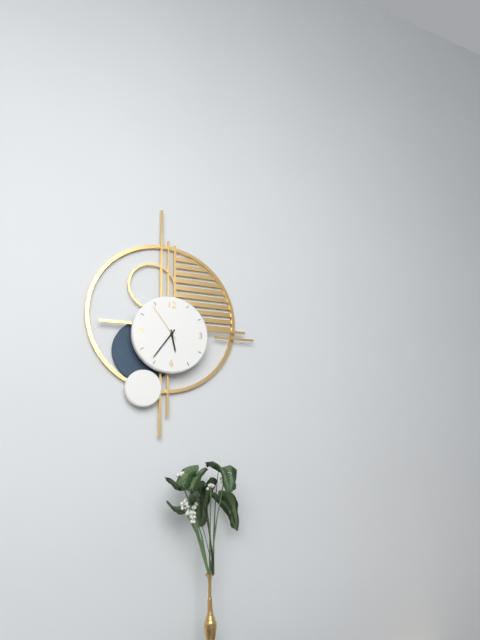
5:36
